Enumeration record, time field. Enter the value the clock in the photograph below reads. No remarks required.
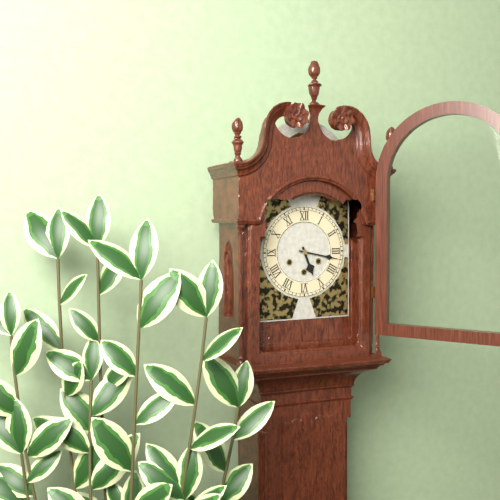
5:17
